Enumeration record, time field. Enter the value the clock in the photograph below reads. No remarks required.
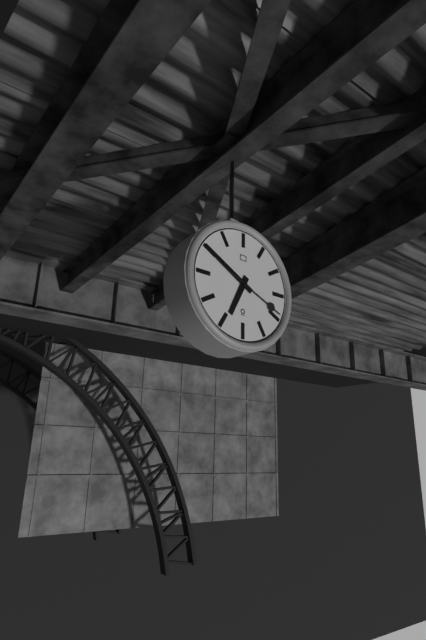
6:50:19
